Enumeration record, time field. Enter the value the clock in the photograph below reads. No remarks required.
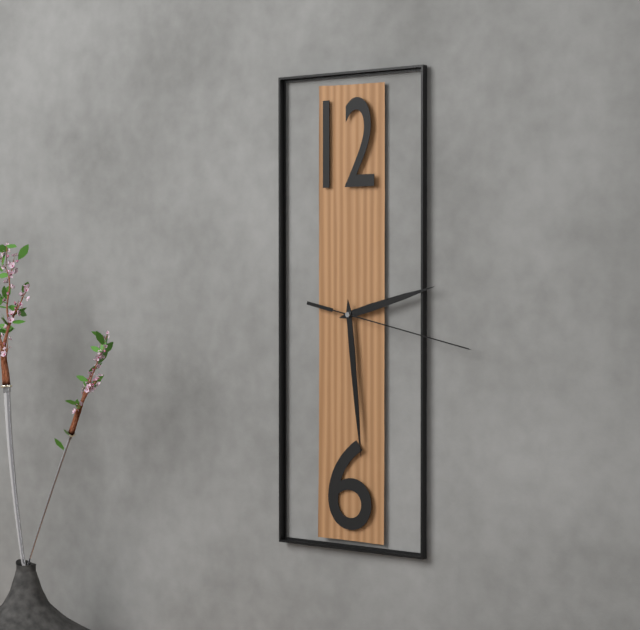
2:29:17
